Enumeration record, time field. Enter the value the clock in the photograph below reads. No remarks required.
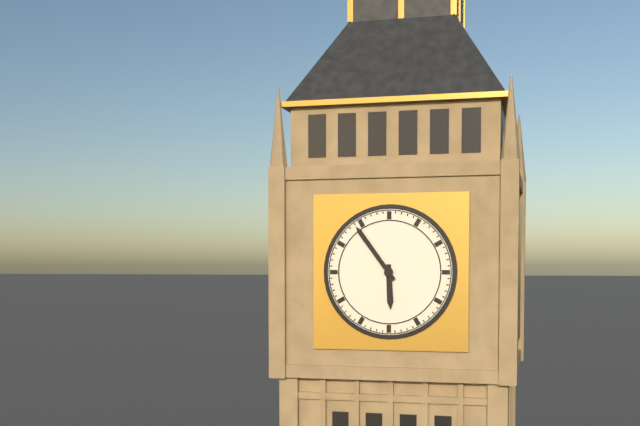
5:54
